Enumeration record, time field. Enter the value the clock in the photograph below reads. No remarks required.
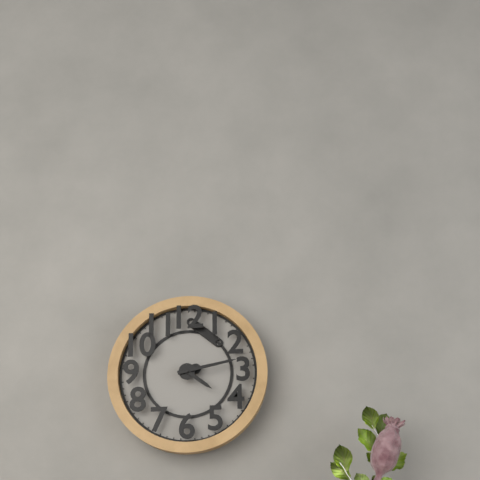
4:13
